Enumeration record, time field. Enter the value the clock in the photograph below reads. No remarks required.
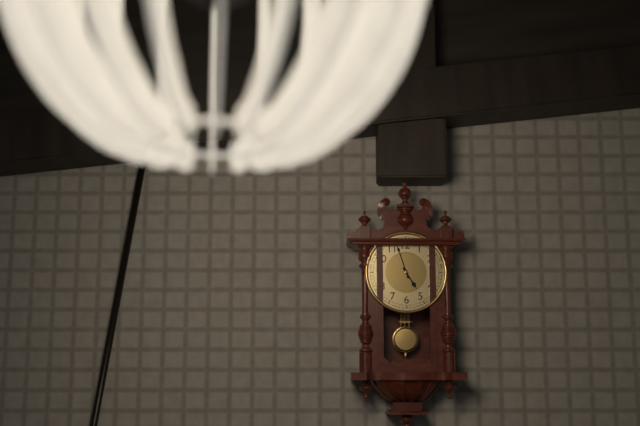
4:57
